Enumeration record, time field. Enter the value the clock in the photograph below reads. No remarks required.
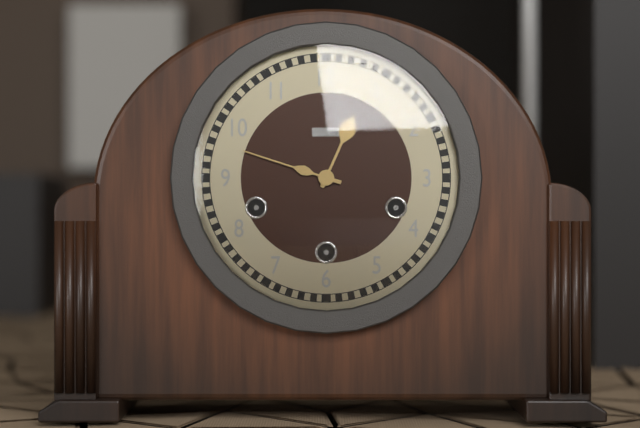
12:48
